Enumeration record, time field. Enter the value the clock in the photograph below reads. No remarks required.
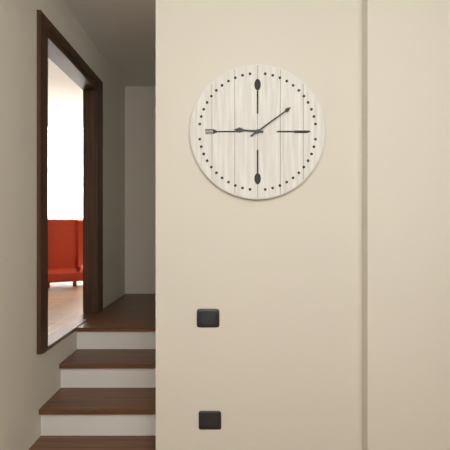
9:09
